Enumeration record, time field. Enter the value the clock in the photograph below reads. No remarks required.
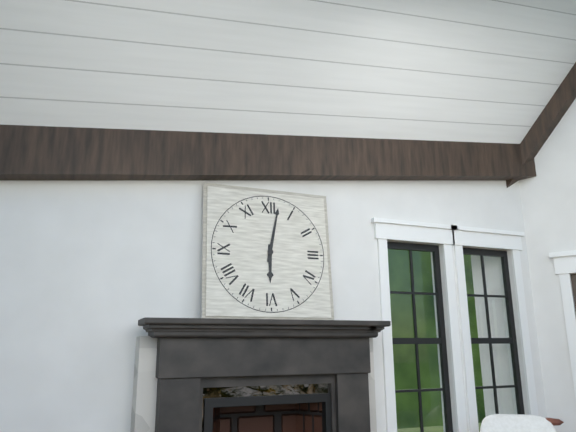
6:02
